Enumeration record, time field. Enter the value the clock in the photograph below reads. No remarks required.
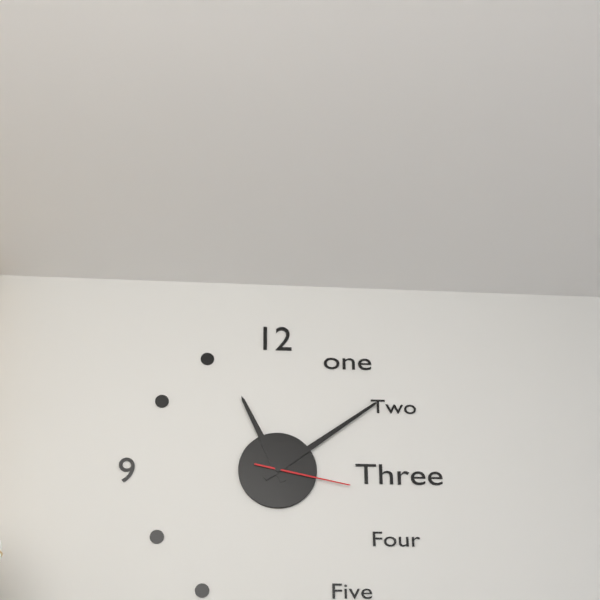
11:09:17
